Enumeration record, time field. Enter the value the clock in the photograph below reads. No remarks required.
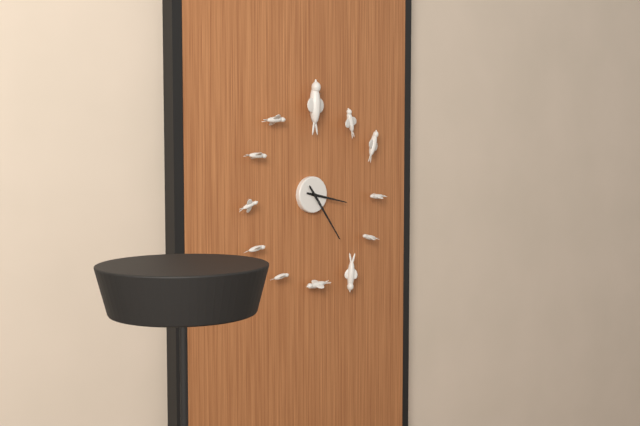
3:24
